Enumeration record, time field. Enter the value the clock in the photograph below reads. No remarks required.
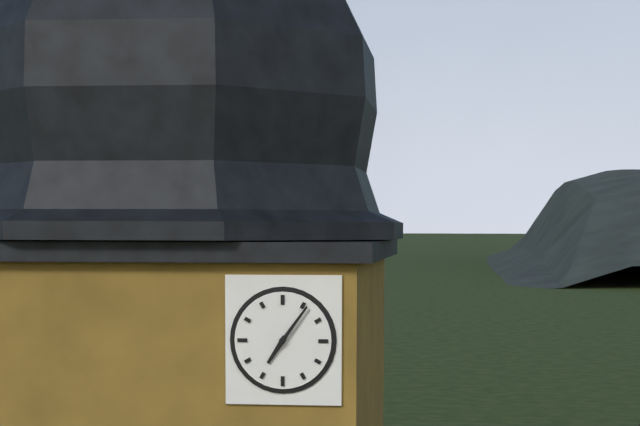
7:06
